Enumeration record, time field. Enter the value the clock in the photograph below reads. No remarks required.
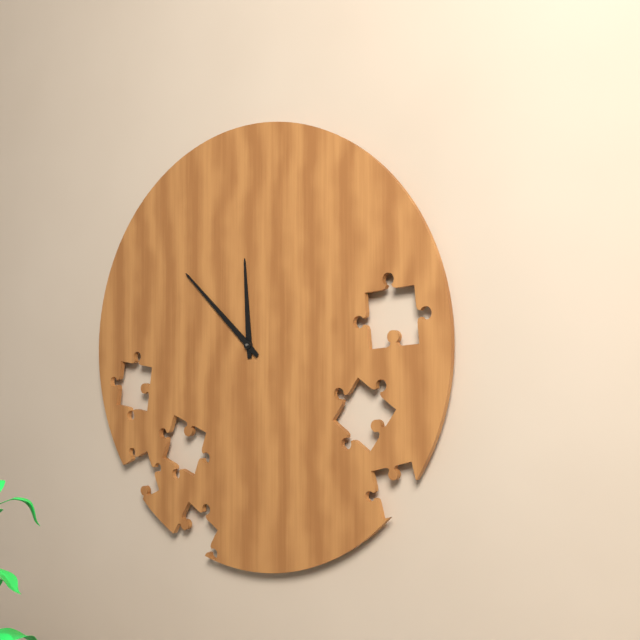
11:52
